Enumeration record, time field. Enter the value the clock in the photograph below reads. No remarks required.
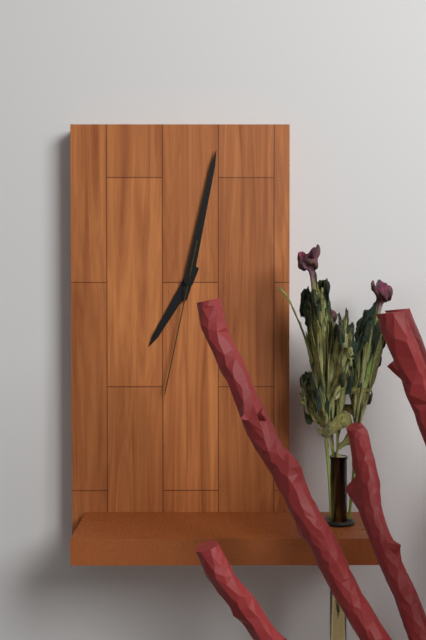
7:02:32
